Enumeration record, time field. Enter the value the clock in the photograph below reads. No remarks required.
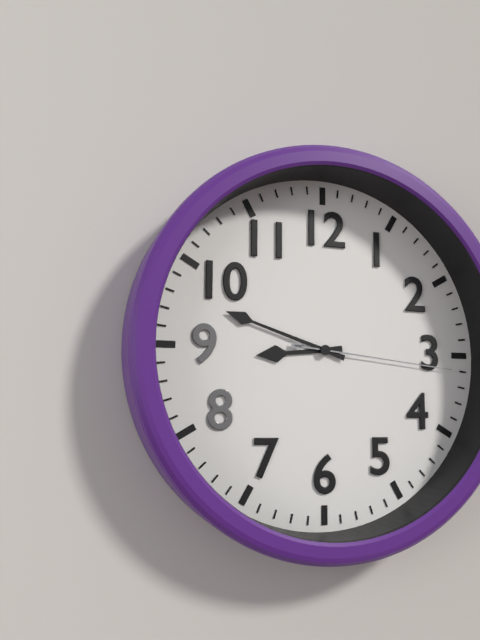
8:48:16
